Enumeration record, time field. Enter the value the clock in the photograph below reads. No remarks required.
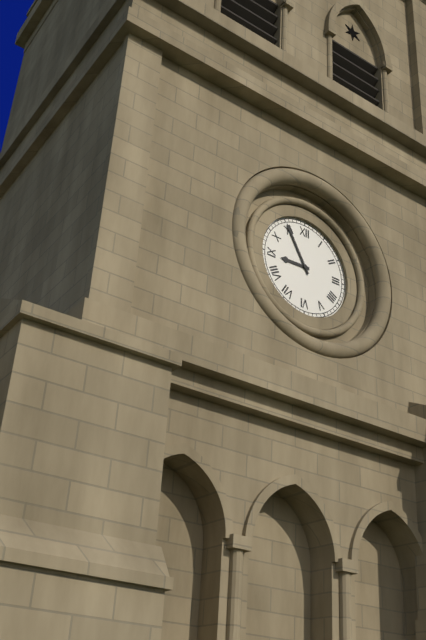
8:55
